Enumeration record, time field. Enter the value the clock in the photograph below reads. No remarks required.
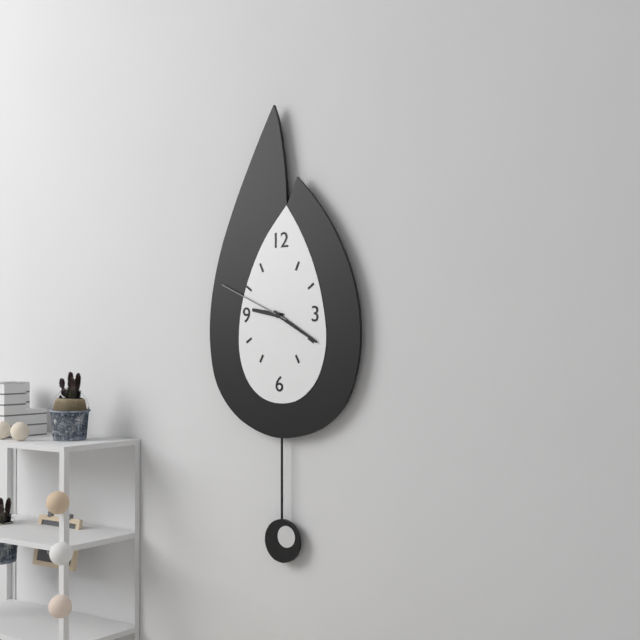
9:20:49
